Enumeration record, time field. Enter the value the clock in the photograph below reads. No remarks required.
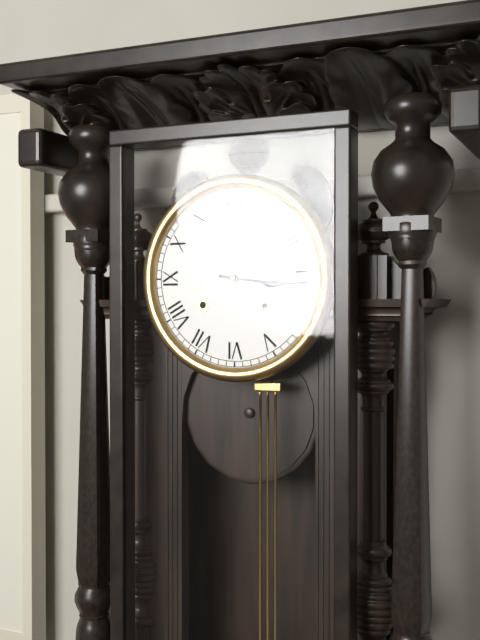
3:16
